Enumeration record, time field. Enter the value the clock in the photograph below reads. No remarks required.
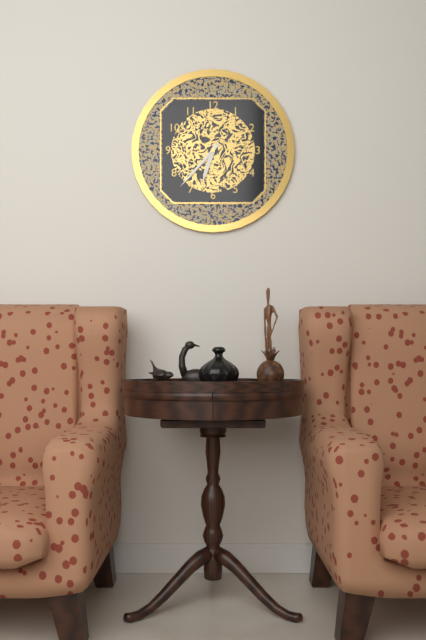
6:37
